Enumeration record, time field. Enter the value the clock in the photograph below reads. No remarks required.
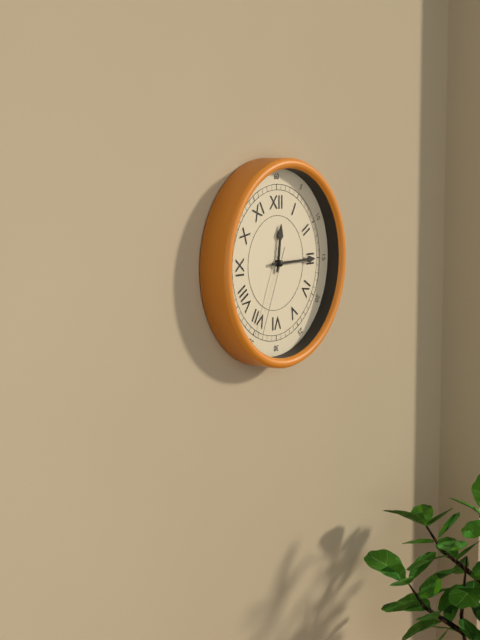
12:15:34
